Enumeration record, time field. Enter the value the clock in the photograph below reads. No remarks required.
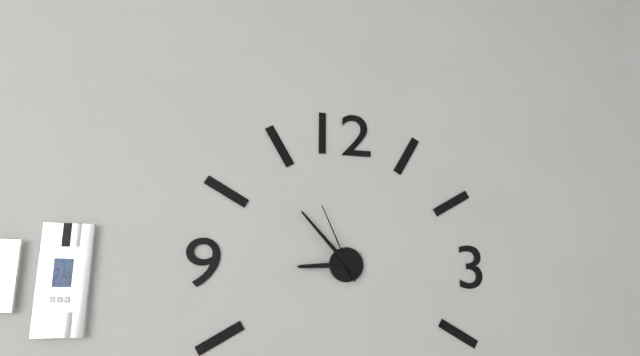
8:53:56
